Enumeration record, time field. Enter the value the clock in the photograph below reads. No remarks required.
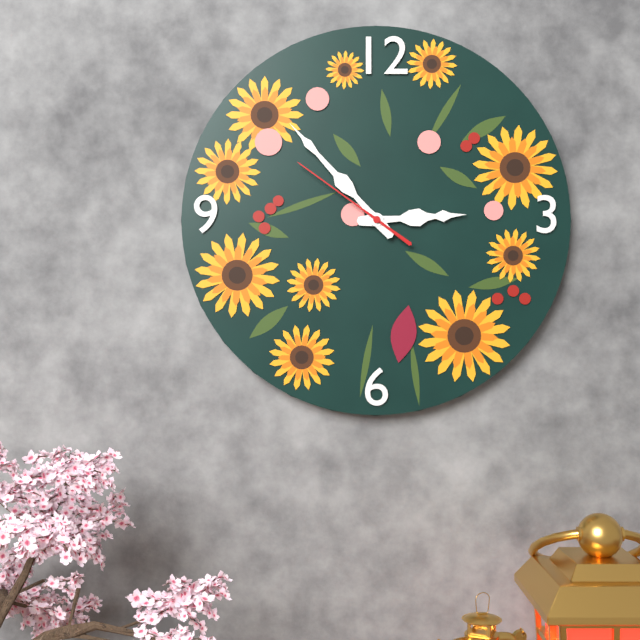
2:53:51
